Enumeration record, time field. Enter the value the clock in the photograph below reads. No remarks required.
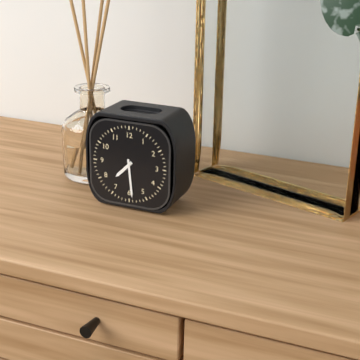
7:29
